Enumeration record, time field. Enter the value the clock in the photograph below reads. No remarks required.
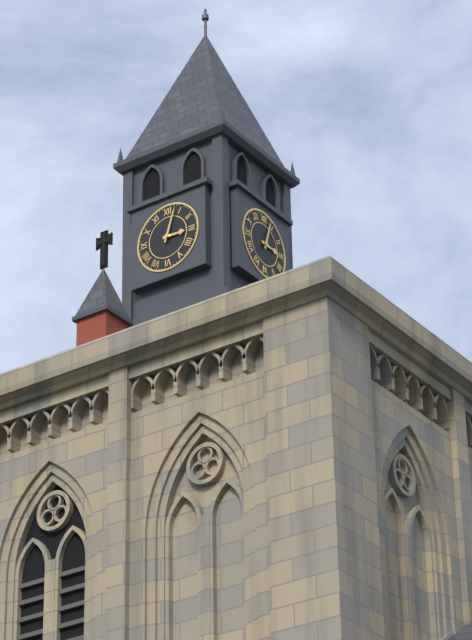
3:03
